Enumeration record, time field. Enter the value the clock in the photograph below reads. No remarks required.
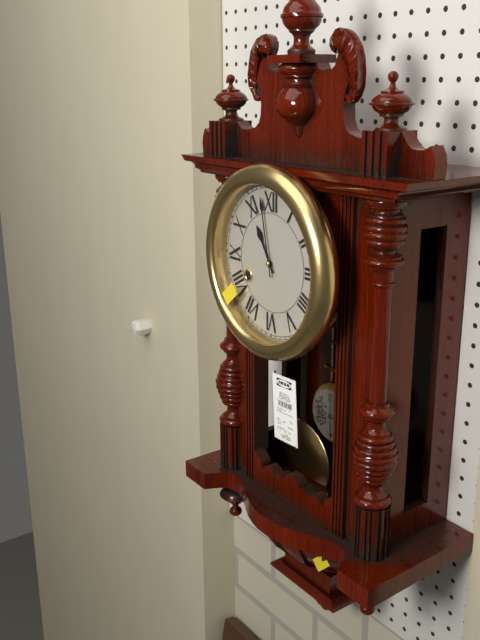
10:58
